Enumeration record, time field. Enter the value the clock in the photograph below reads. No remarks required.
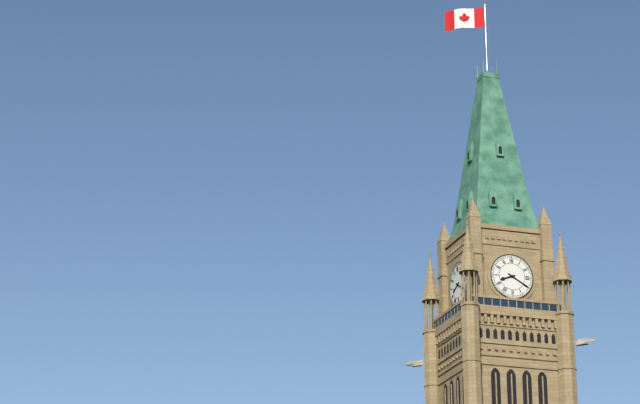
8:20
